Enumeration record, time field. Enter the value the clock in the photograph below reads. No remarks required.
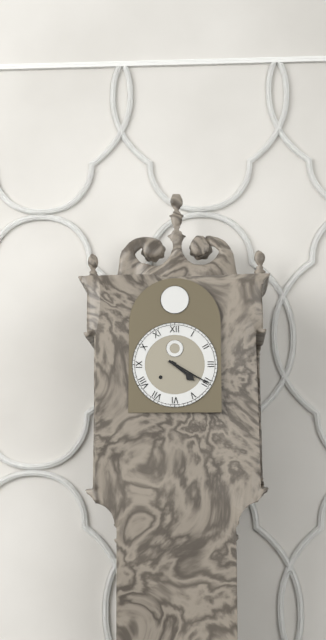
4:20
